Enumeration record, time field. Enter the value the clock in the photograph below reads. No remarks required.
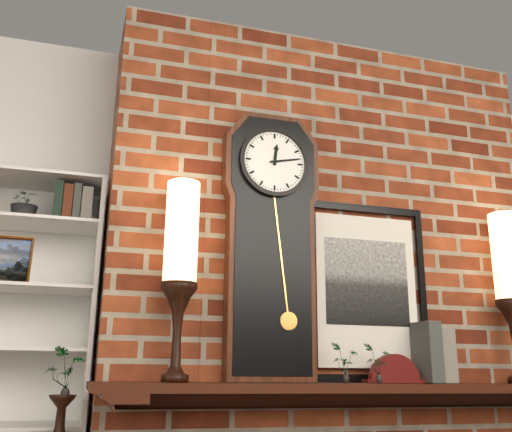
12:13
